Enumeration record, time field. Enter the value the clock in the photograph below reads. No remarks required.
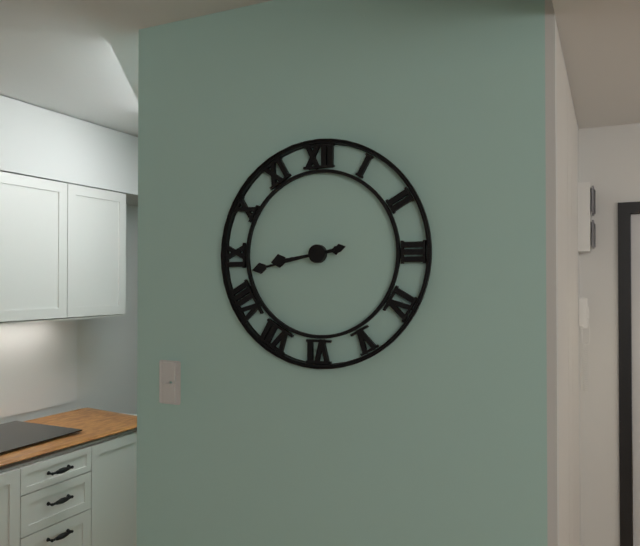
8:43
